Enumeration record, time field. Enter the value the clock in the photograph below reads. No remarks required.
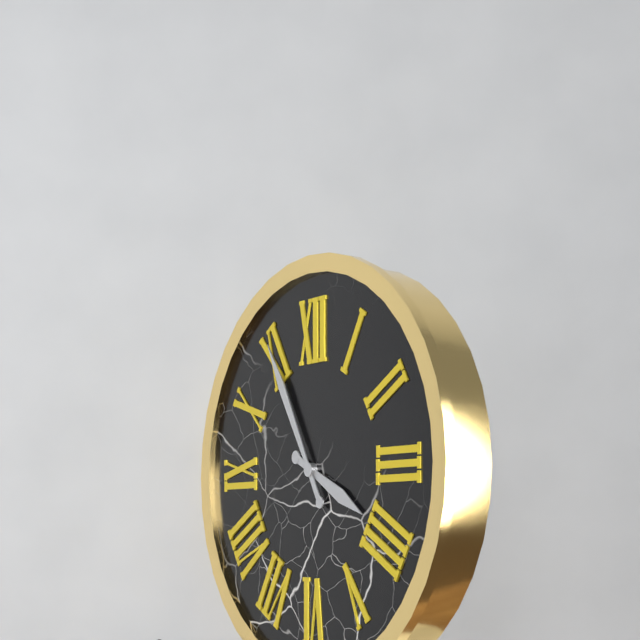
3:55
